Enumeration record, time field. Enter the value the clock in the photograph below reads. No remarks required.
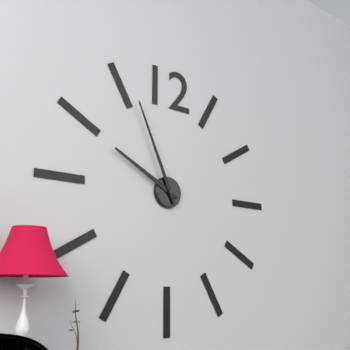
9:56
